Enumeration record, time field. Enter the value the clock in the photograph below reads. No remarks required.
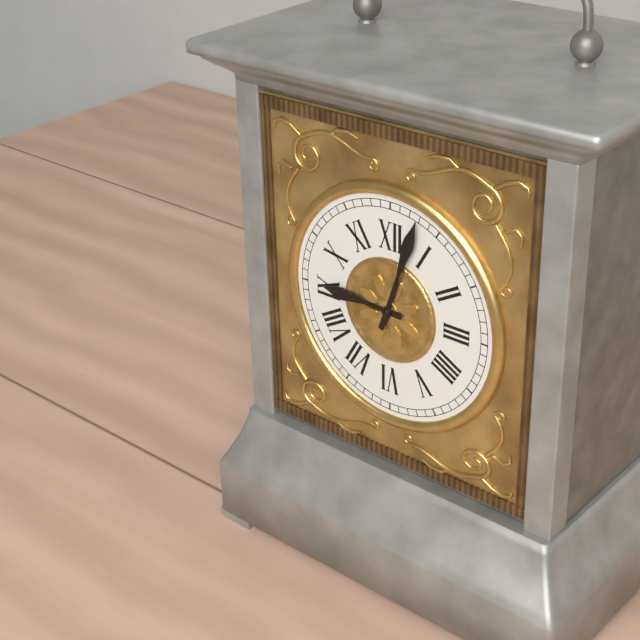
9:03
